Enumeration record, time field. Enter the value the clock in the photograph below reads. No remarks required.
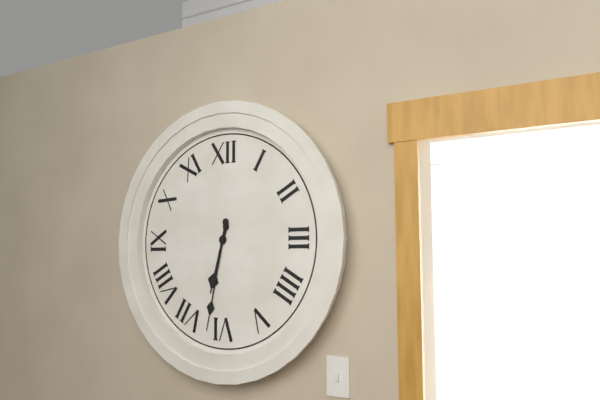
6:32
